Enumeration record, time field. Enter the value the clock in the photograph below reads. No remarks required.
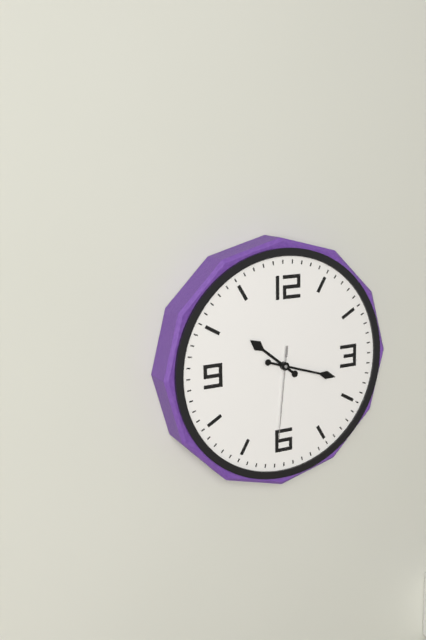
10:18:31
